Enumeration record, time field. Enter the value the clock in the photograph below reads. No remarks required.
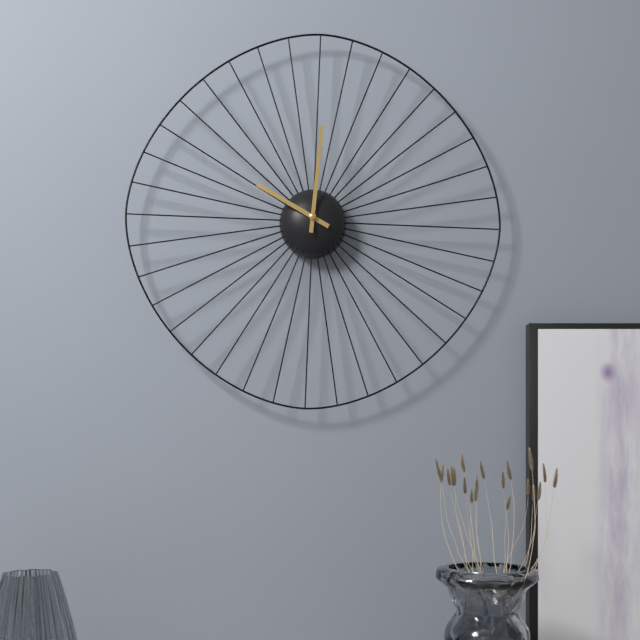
10:01
